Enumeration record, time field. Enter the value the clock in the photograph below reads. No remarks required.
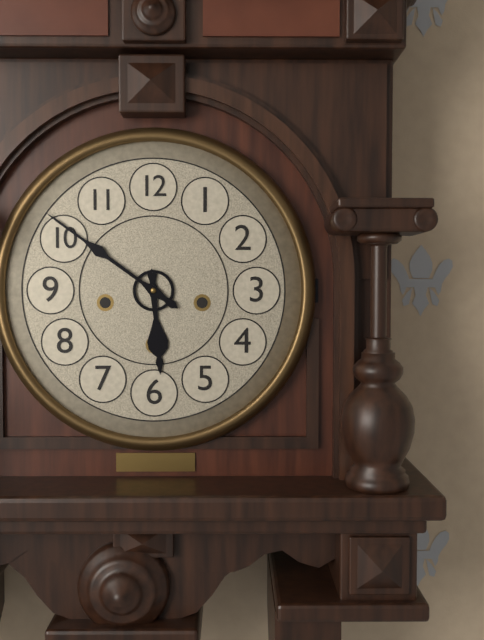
5:51
